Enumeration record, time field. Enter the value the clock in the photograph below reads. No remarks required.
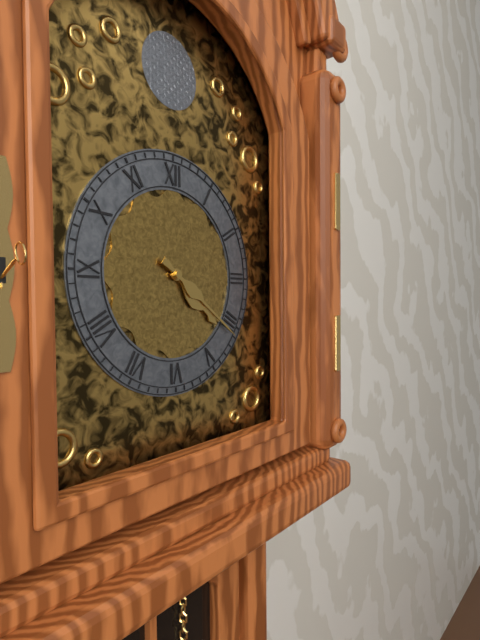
4:21
